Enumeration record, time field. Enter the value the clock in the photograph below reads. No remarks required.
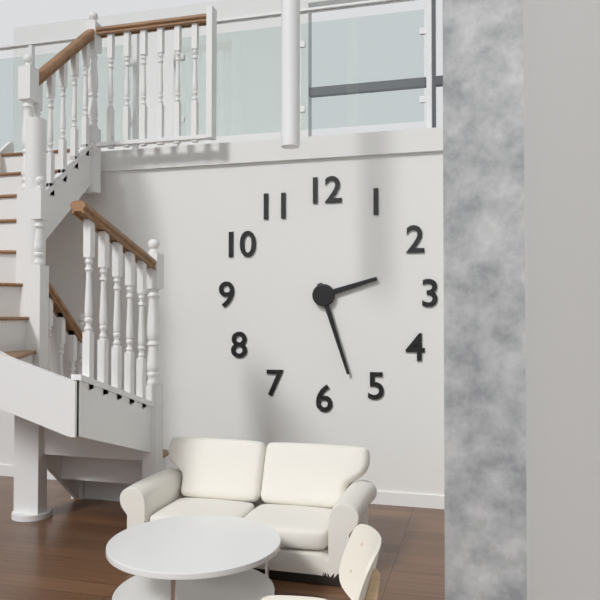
2:27
